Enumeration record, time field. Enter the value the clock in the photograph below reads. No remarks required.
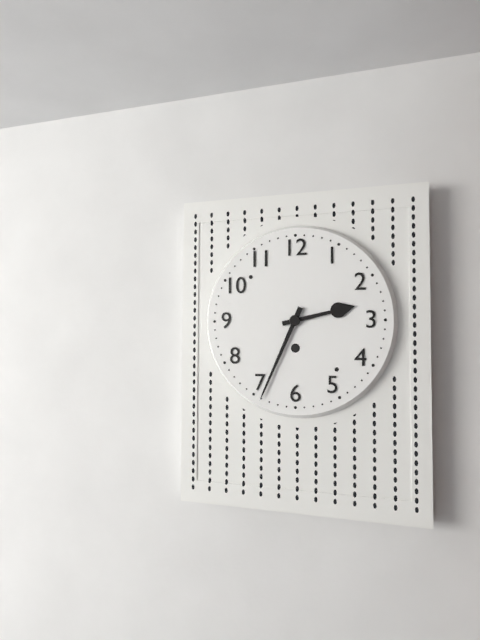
2:34
